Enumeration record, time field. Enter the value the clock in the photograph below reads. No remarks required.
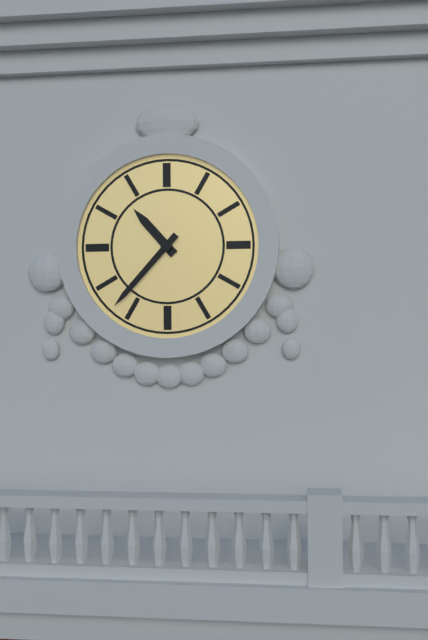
10:37
